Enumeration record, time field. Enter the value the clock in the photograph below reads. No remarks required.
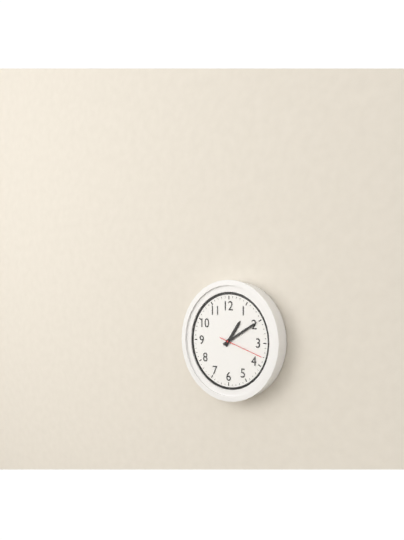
1:10
